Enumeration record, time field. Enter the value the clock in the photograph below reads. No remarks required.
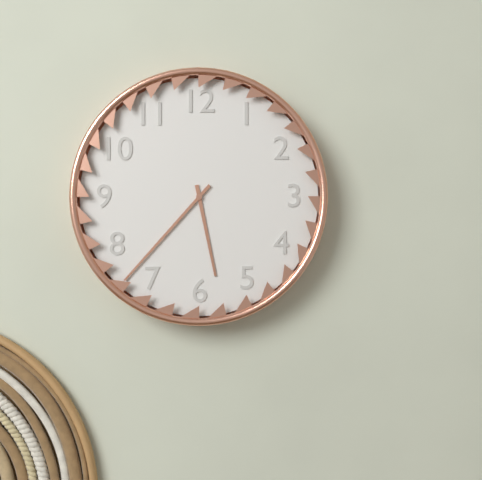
5:37
